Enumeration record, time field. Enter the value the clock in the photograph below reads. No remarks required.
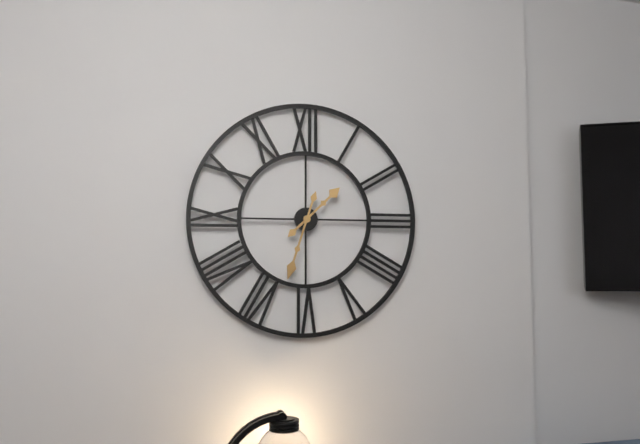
1:33
